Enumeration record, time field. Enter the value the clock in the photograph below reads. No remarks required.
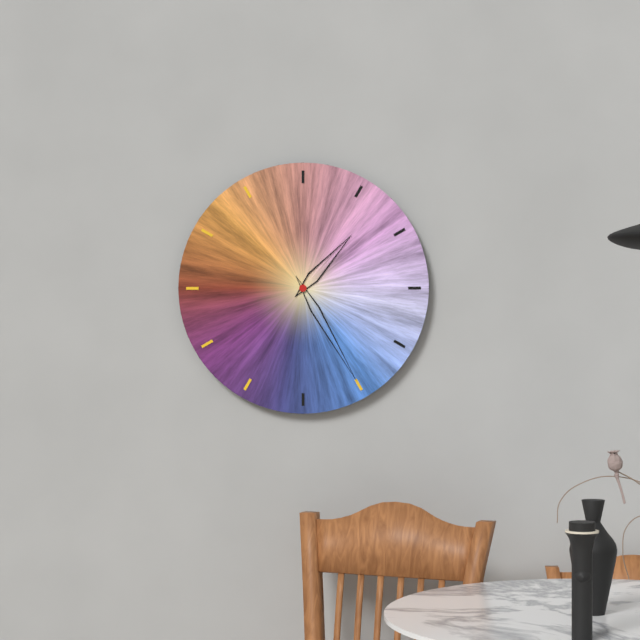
1:25
